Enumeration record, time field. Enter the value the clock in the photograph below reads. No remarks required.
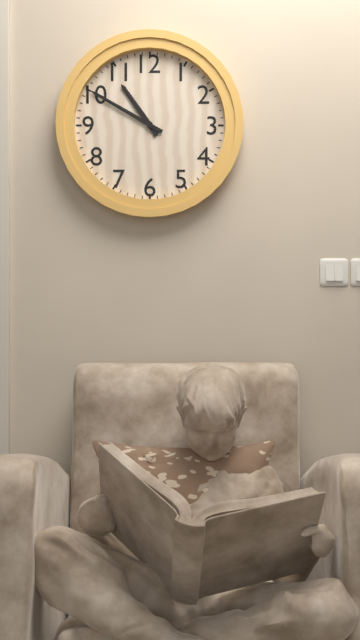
10:50
